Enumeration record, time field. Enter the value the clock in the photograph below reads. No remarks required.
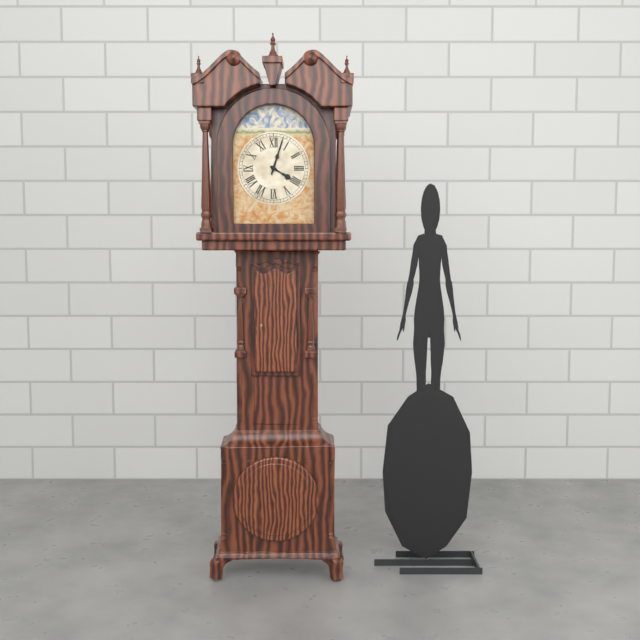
4:03
